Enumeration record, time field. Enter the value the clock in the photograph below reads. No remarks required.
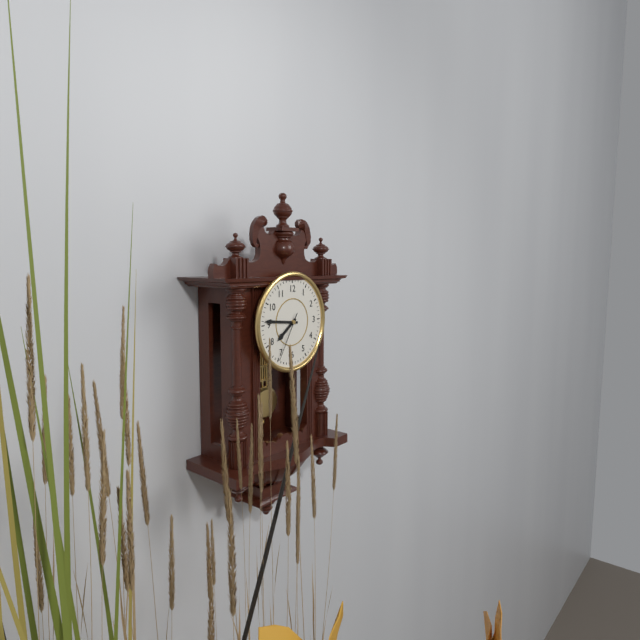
7:46:35
